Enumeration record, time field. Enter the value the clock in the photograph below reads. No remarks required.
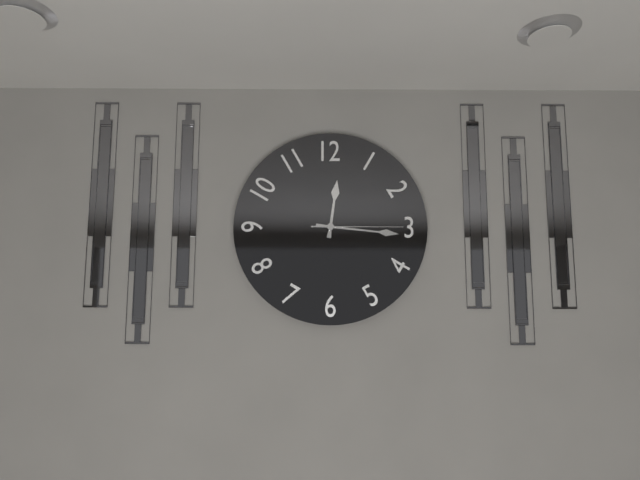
12:16:15
